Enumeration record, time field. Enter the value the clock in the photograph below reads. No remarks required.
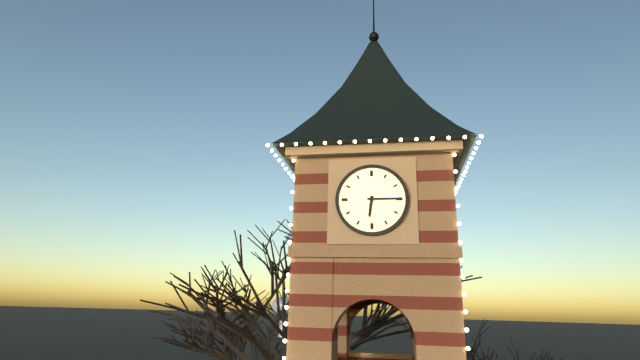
6:15
